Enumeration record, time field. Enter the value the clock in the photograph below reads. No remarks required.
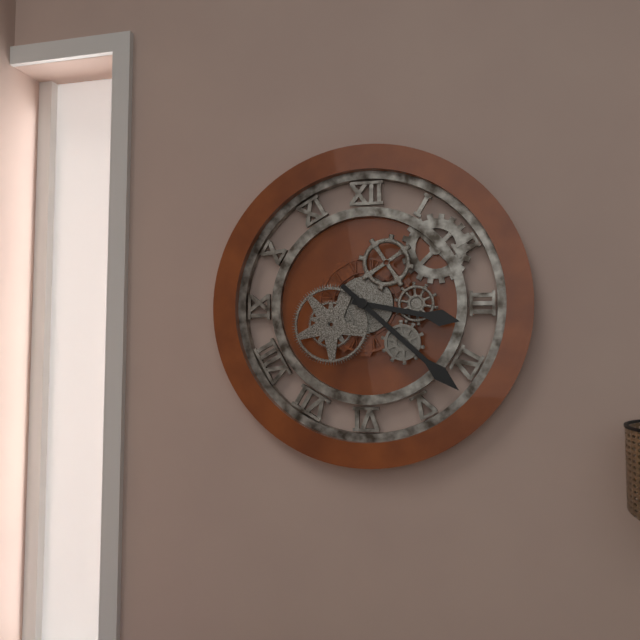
3:22
